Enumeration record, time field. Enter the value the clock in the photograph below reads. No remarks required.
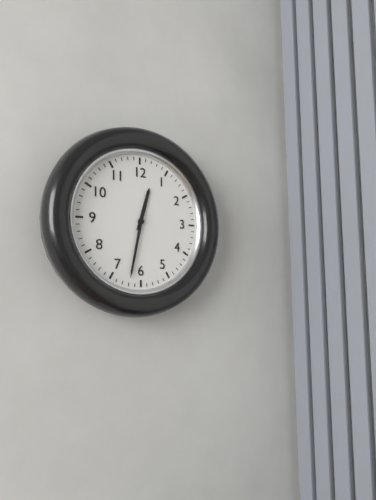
12:32
